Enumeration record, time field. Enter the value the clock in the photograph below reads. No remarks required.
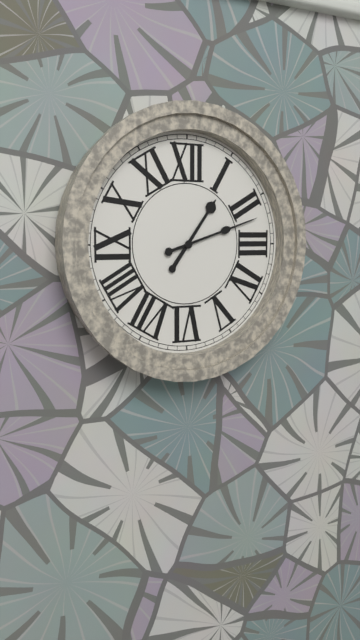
1:12
